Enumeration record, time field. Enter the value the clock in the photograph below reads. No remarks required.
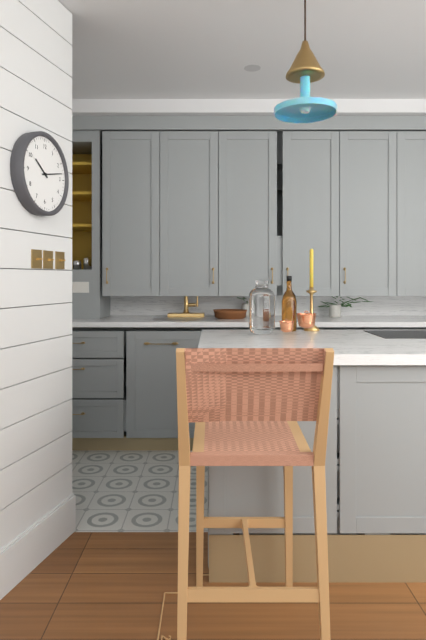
10:13
